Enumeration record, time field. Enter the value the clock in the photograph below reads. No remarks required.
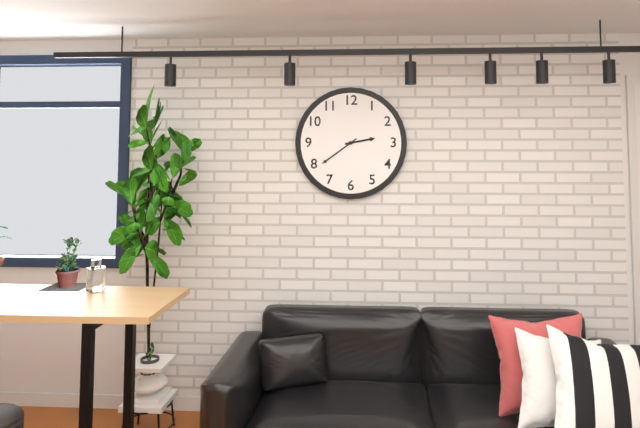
2:39
